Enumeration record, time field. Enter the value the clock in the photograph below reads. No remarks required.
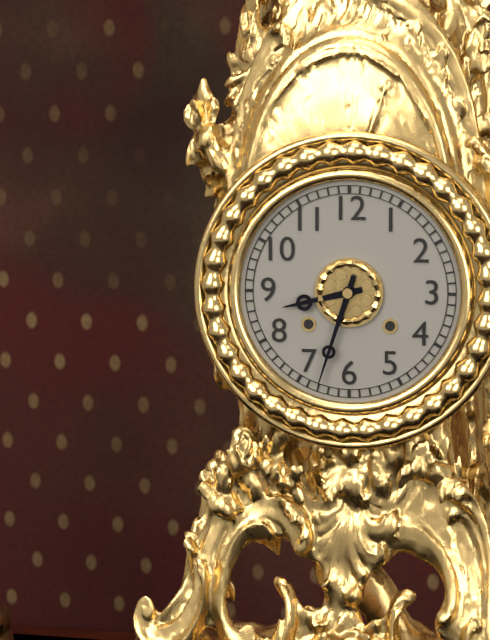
8:33
